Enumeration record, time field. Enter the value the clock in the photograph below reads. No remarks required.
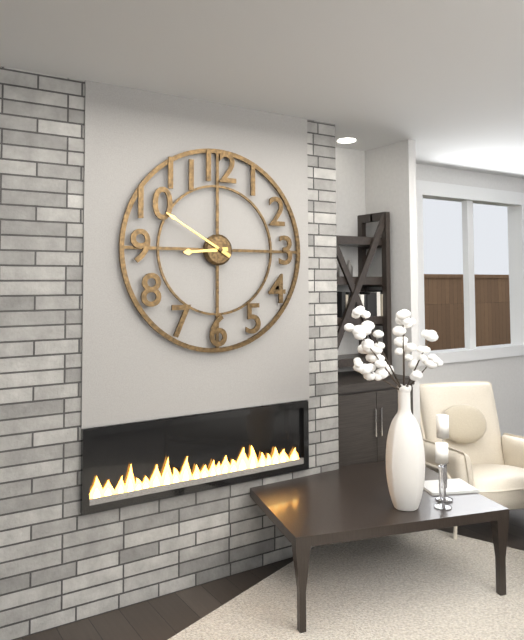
8:50
